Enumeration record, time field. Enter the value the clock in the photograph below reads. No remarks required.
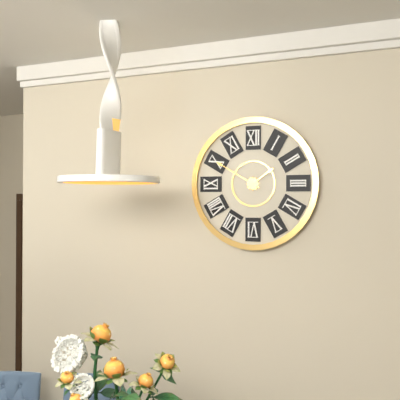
1:50
